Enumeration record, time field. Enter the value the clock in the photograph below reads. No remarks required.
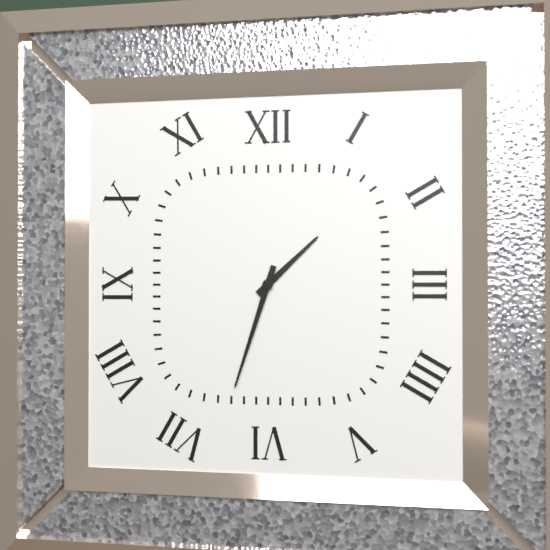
1:33
